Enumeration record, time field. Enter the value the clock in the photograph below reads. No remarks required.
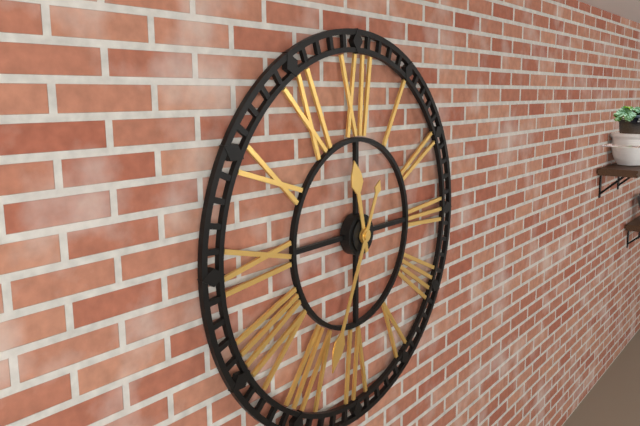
11:34
